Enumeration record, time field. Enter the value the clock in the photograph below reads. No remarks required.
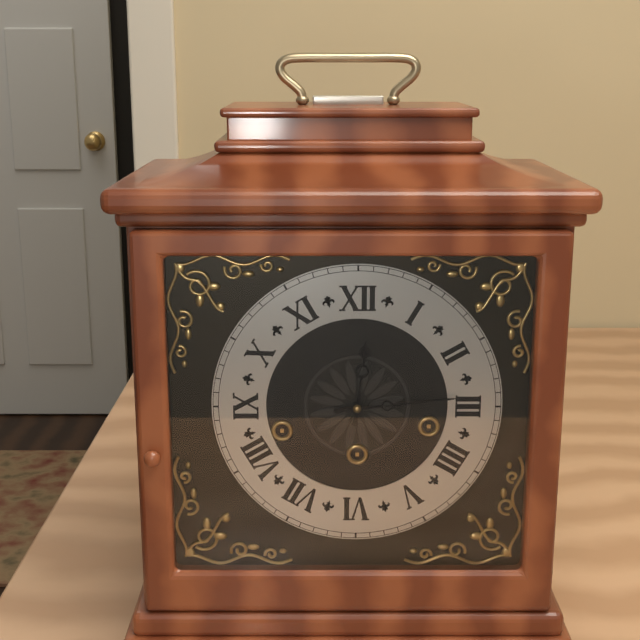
12:14
